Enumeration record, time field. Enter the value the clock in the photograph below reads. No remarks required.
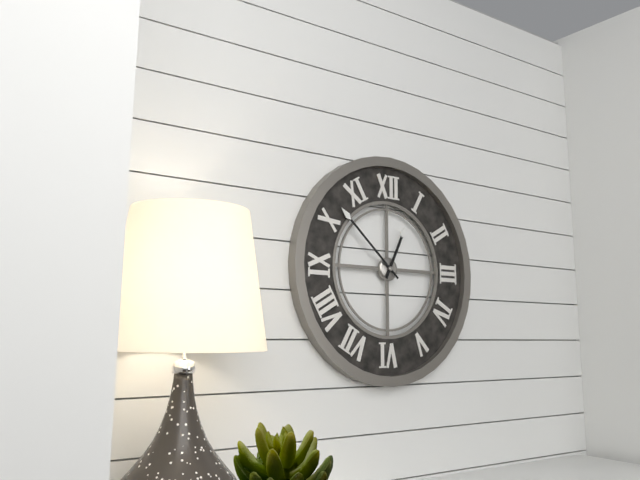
12:52
